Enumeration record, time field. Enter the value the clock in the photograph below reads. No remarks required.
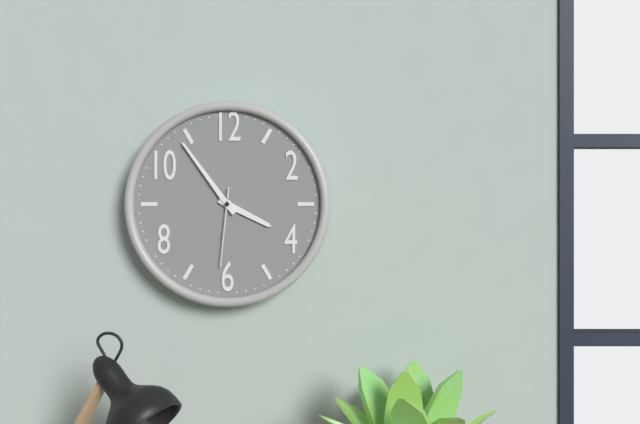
3:54:31
